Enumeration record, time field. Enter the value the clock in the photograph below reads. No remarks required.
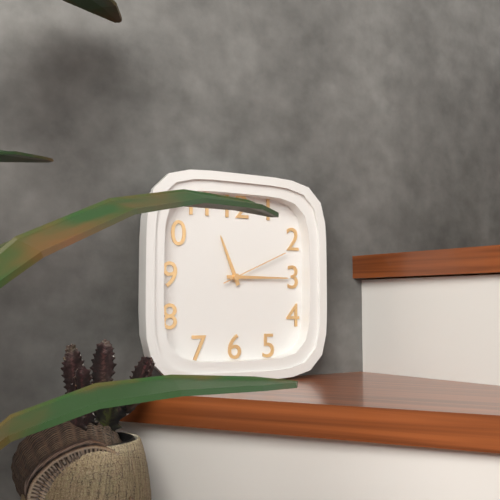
11:15:11
